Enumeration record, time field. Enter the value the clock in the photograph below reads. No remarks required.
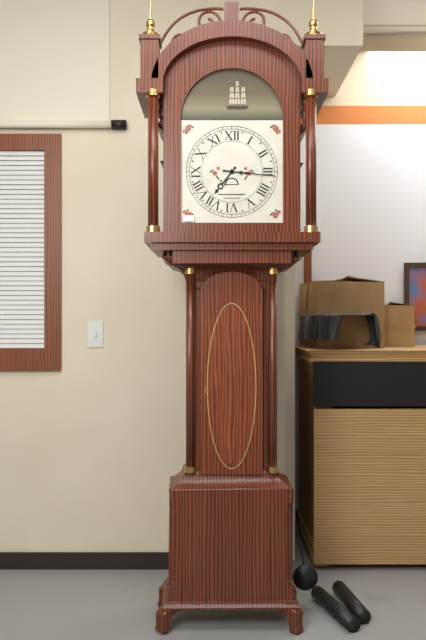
7:16
